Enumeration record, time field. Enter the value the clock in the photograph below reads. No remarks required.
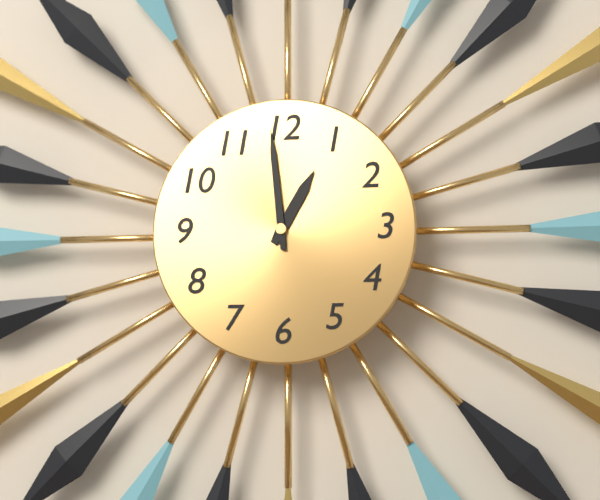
12:59
